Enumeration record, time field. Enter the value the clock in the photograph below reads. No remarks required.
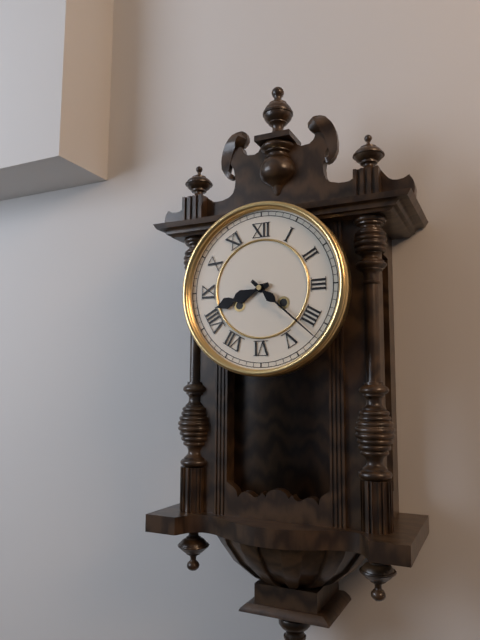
8:22
